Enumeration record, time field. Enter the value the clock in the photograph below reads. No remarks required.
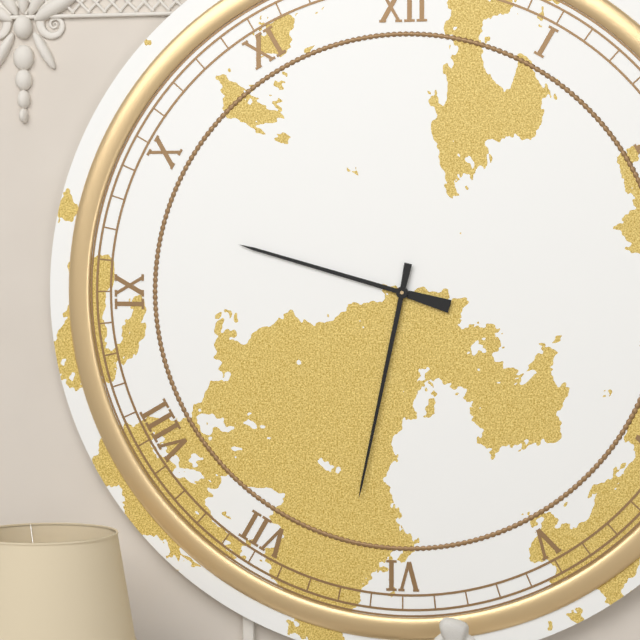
9:32
